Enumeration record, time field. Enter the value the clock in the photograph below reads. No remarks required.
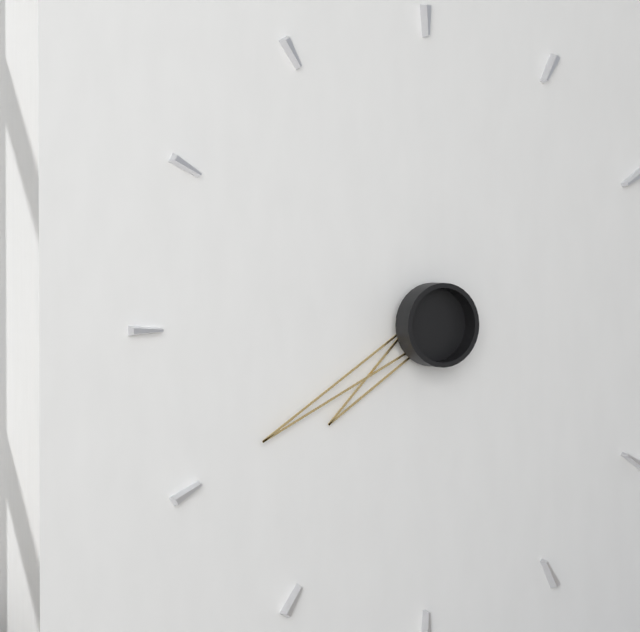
7:40
